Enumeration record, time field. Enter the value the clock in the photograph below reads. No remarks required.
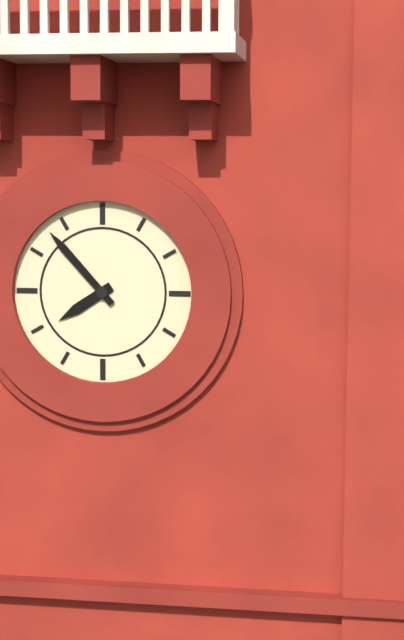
7:53
